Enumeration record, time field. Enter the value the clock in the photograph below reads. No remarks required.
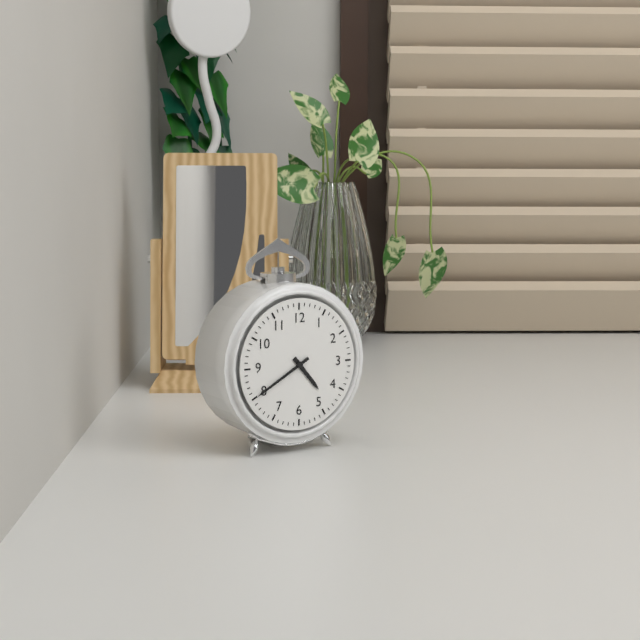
4:40
